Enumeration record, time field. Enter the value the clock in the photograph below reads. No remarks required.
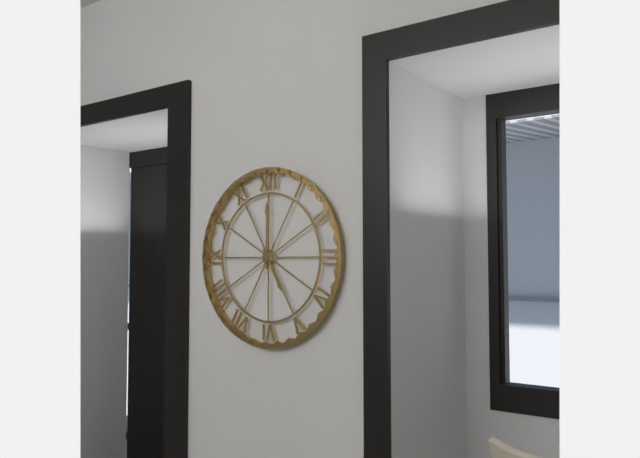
5:00
